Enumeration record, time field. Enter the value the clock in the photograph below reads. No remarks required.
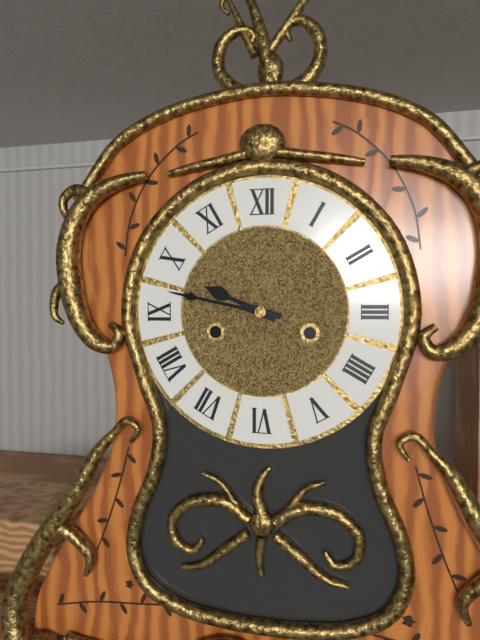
9:47
